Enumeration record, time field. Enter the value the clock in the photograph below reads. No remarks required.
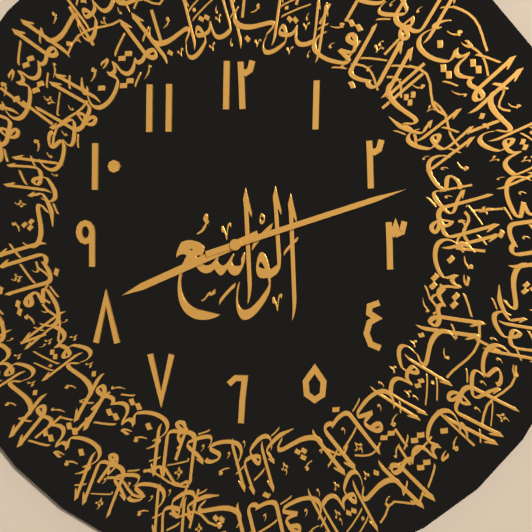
8:12
